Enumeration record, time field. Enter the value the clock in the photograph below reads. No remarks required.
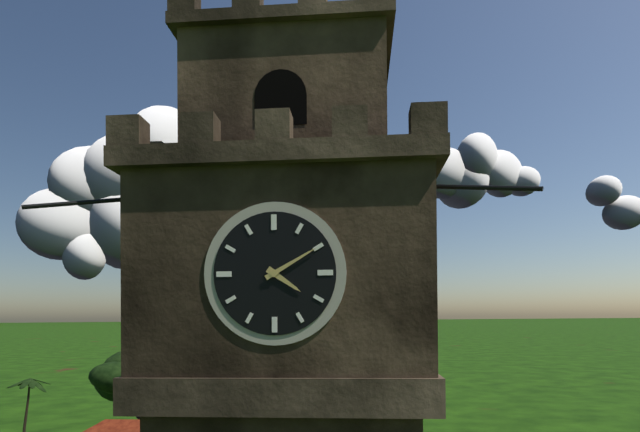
4:10
